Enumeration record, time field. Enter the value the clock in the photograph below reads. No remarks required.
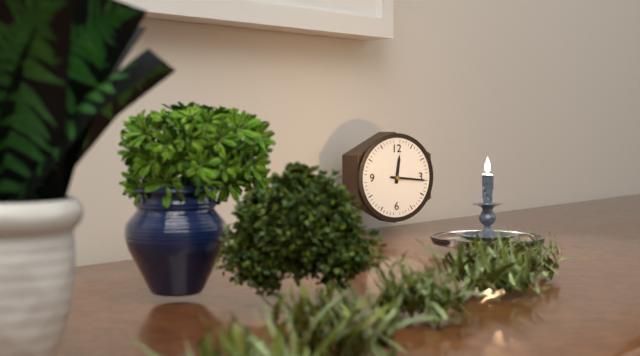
12:16
